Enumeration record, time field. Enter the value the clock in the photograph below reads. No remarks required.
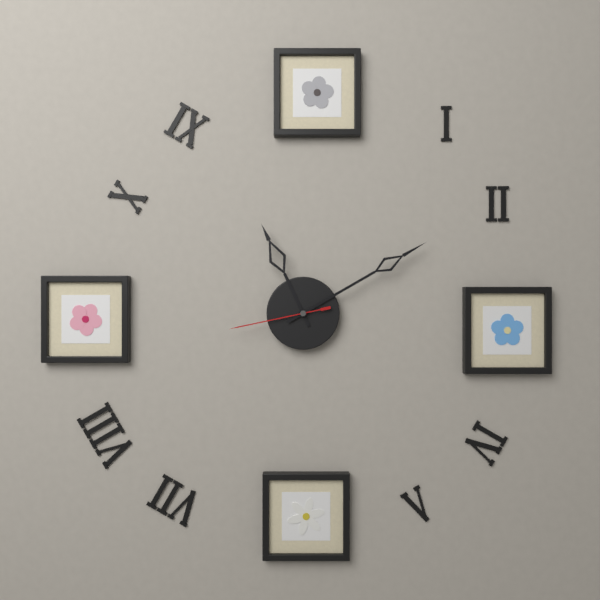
11:10:43
